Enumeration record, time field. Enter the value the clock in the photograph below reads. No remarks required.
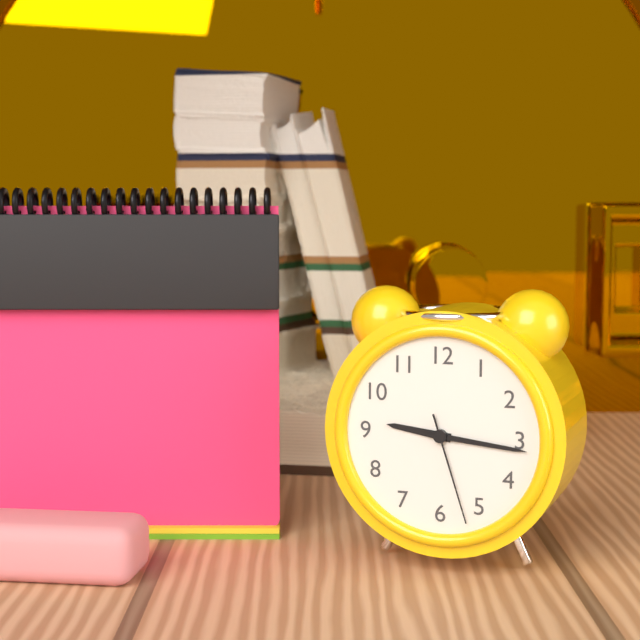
9:16:27
